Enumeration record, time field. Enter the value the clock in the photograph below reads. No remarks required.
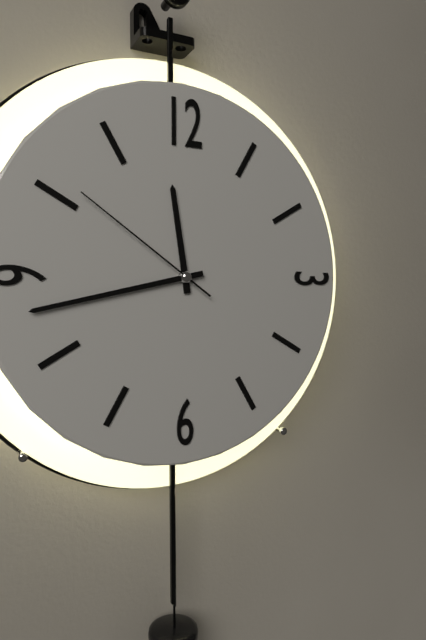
11:43:51
